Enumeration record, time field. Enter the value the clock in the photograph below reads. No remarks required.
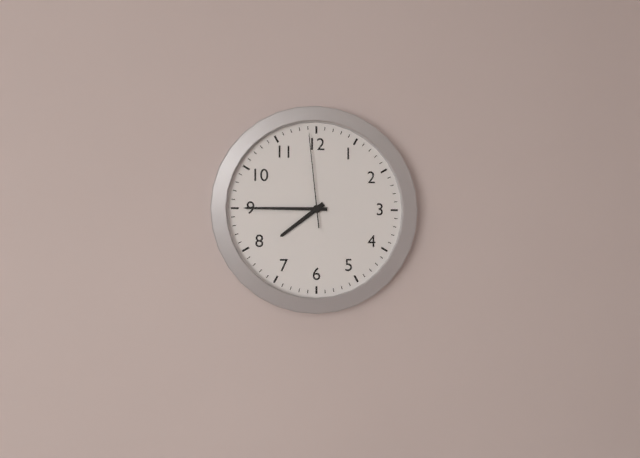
7:45:59
